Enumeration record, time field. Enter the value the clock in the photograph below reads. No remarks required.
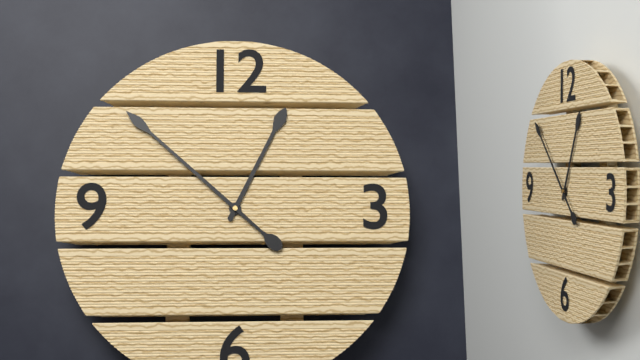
12:52
